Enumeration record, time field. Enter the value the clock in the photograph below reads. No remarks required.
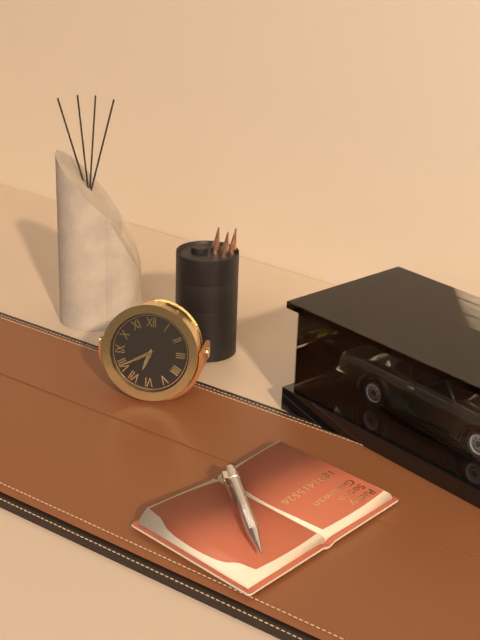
6:40
